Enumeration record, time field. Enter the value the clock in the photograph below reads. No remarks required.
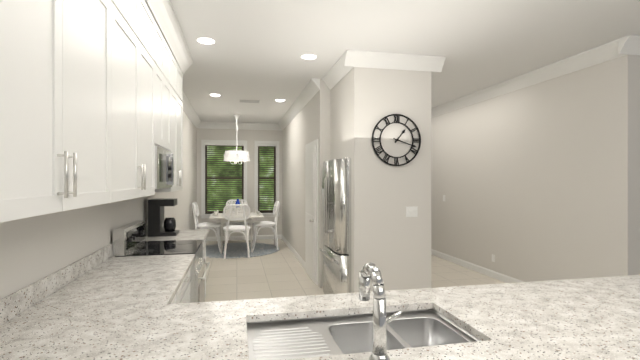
1:18
